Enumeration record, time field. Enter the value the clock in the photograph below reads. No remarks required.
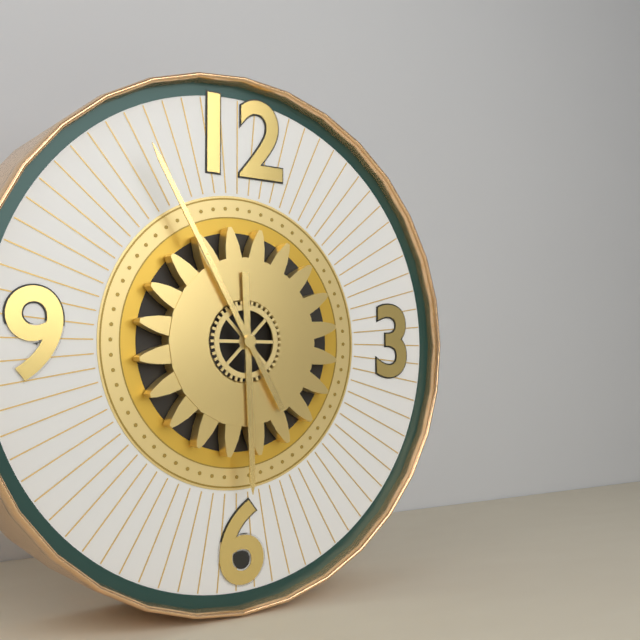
5:55
